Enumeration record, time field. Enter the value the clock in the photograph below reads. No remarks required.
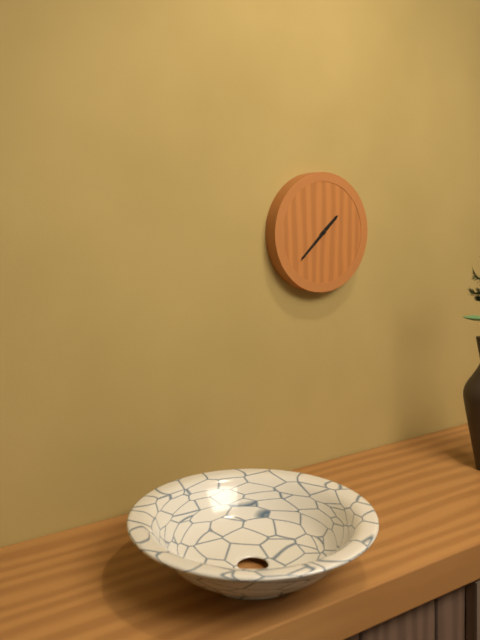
1:38
